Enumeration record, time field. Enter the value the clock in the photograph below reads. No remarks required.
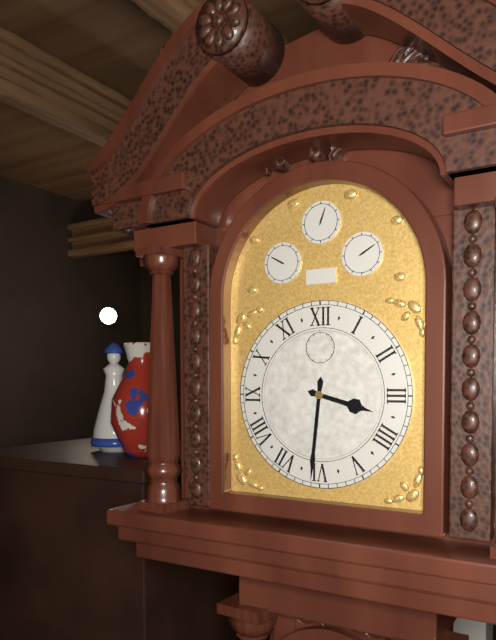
3:31
